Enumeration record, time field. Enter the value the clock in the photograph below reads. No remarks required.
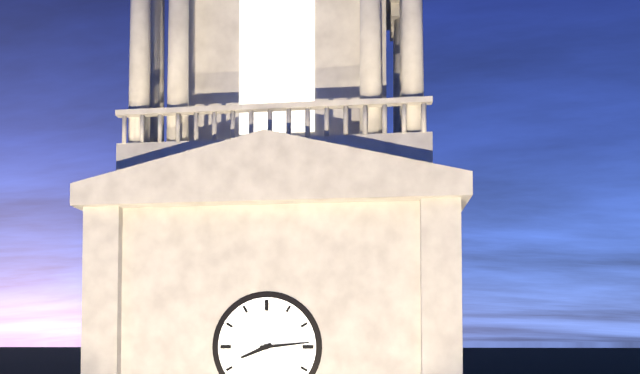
8:14
